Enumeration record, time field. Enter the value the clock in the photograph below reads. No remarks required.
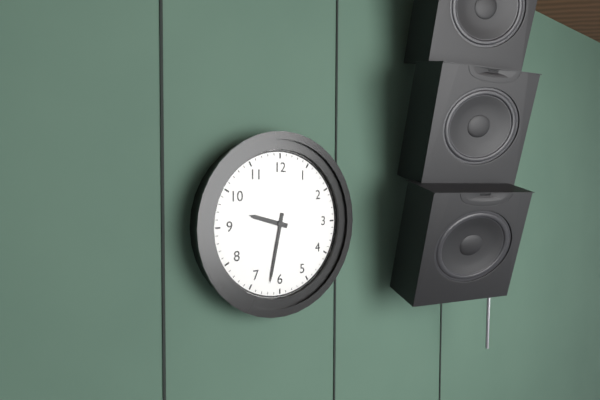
9:32
